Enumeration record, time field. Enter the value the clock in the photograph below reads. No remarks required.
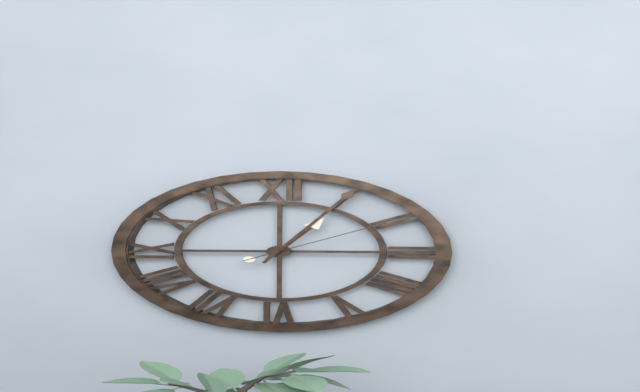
1:05:10
